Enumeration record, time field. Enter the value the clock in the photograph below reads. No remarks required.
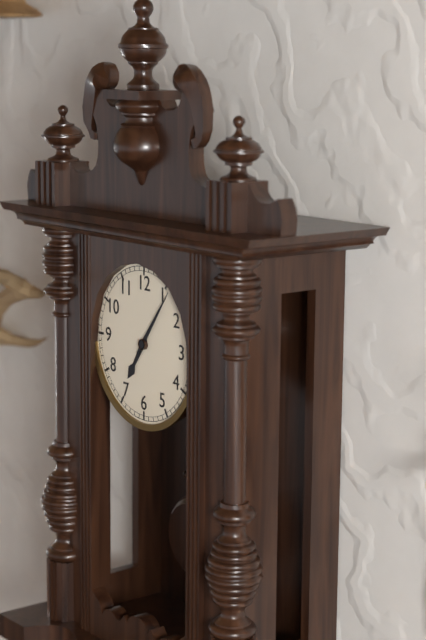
7:06
